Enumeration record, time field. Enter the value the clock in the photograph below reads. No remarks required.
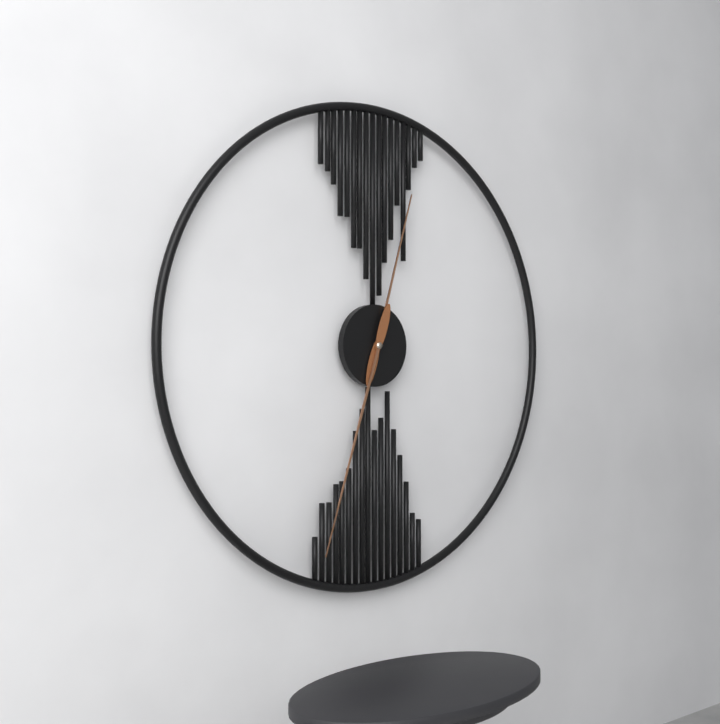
12:33
